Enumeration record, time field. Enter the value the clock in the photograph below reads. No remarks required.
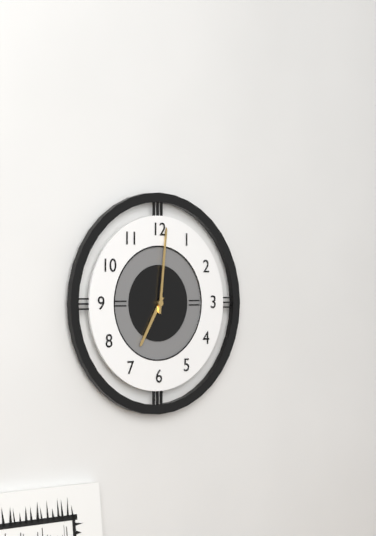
7:01
